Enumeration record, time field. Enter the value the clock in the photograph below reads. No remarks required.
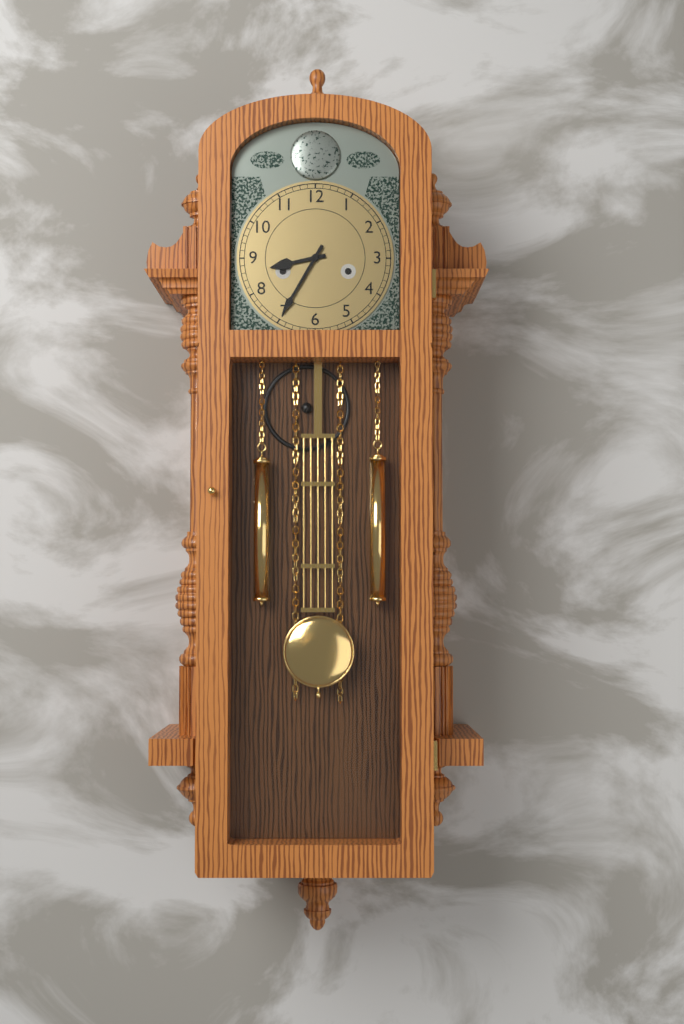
8:35
